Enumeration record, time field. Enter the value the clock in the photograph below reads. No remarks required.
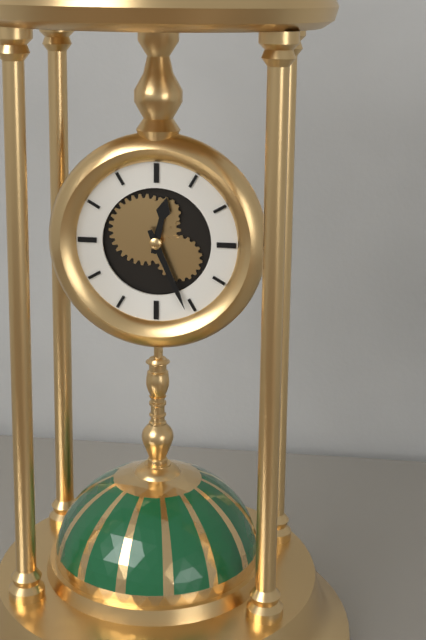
12:26
